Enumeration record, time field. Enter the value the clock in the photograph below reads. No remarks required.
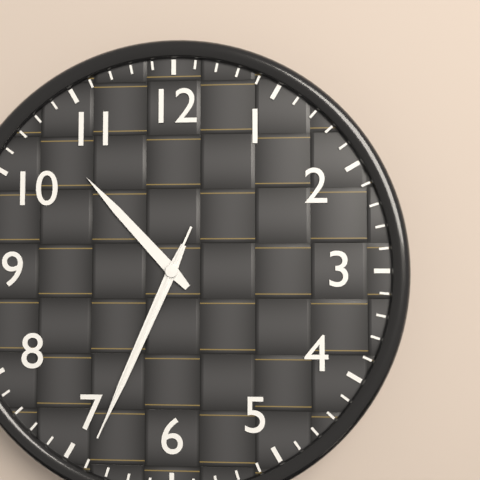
10:34:34
